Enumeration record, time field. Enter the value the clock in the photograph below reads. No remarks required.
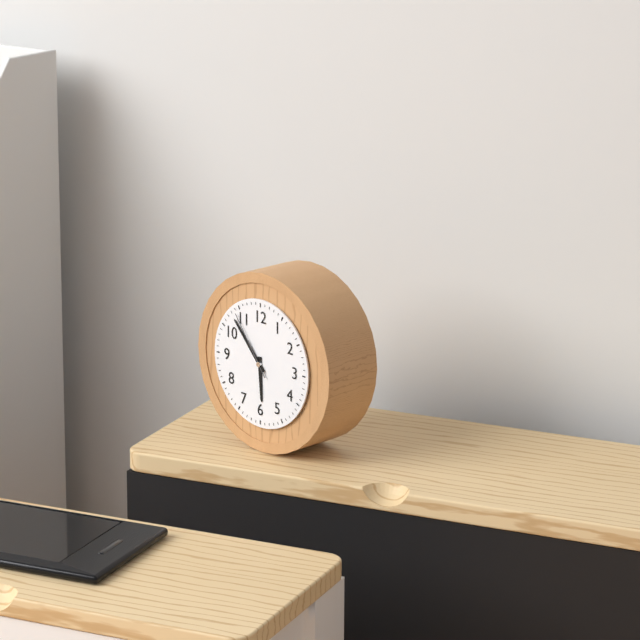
5:53:54
